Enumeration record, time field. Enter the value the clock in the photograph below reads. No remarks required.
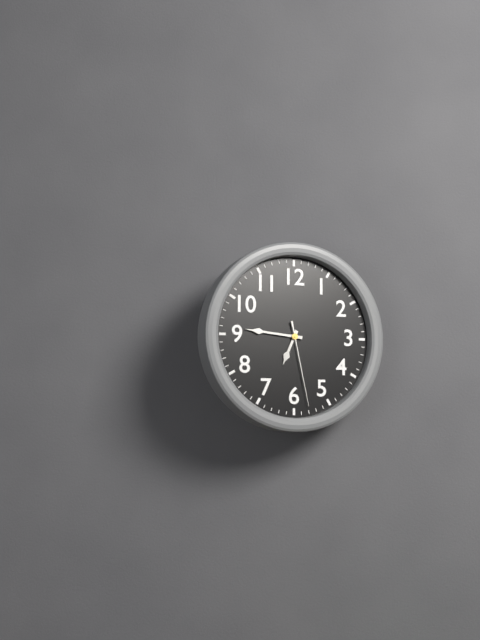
6:46:28
